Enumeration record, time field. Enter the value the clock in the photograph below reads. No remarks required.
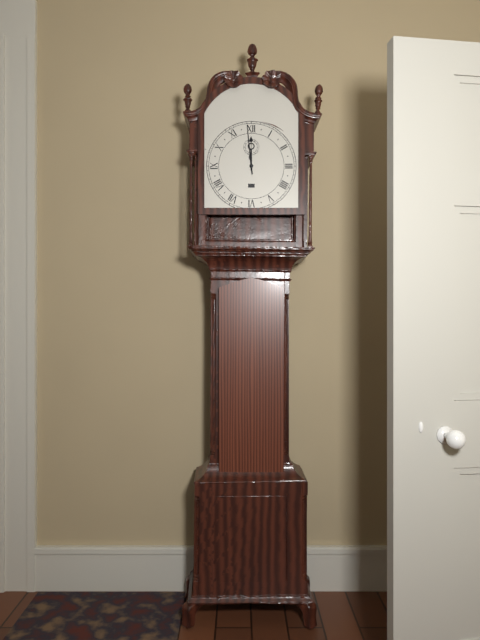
11:59
